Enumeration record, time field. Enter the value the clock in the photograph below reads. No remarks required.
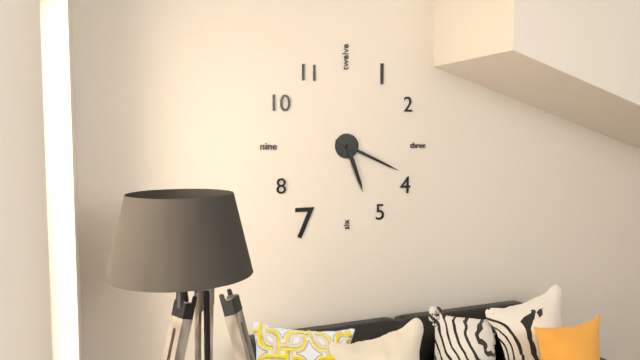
5:19
